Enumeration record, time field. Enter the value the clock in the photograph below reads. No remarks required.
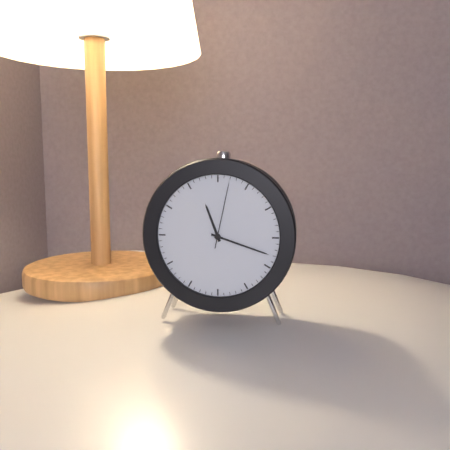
11:18:02
